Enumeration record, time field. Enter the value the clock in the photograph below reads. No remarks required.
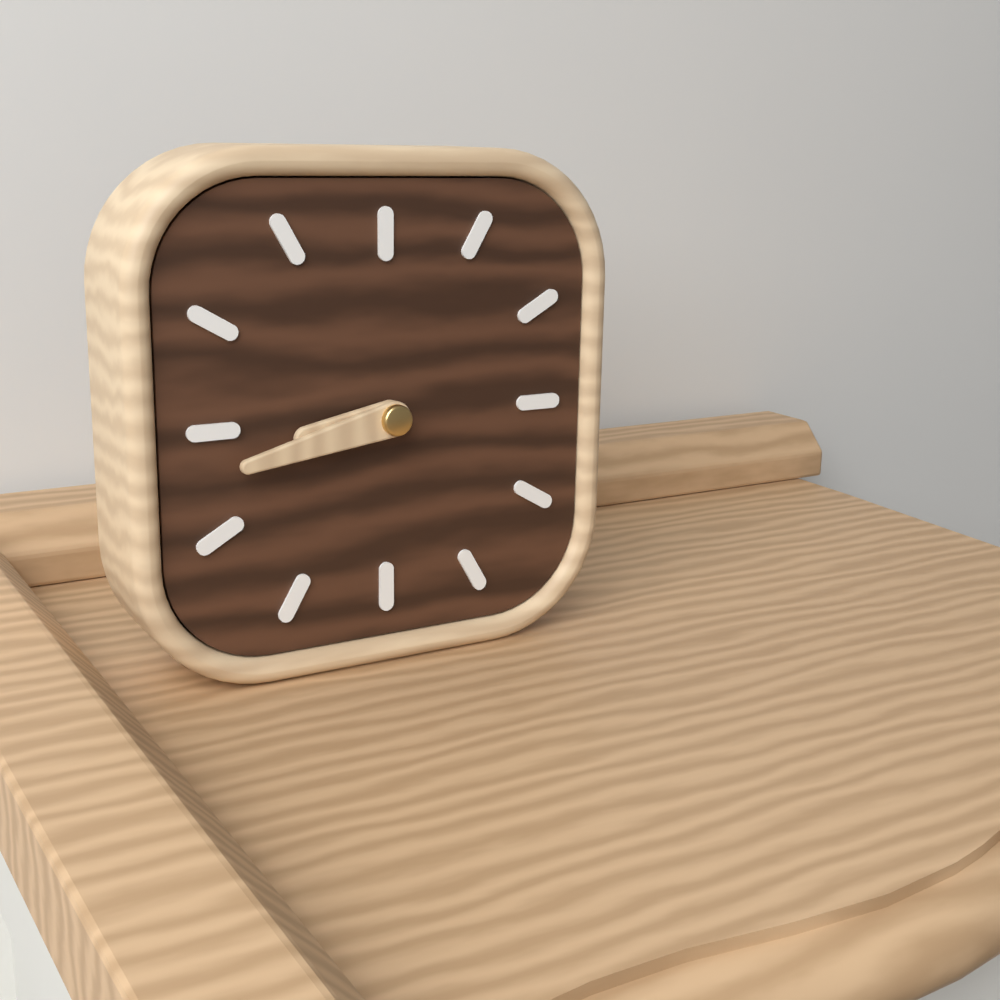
8:43
